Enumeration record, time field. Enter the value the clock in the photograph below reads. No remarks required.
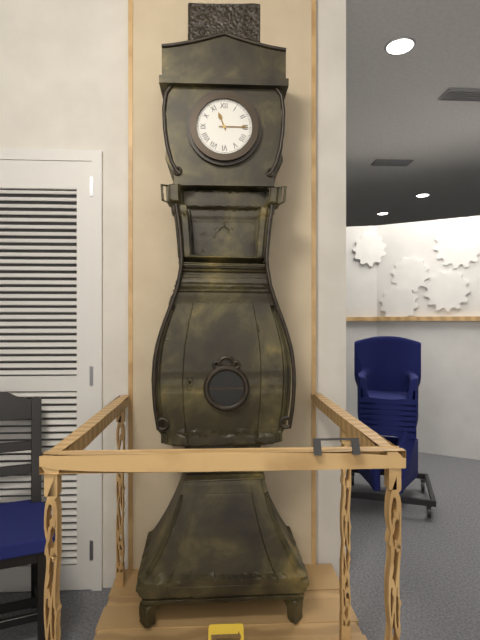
11:15
